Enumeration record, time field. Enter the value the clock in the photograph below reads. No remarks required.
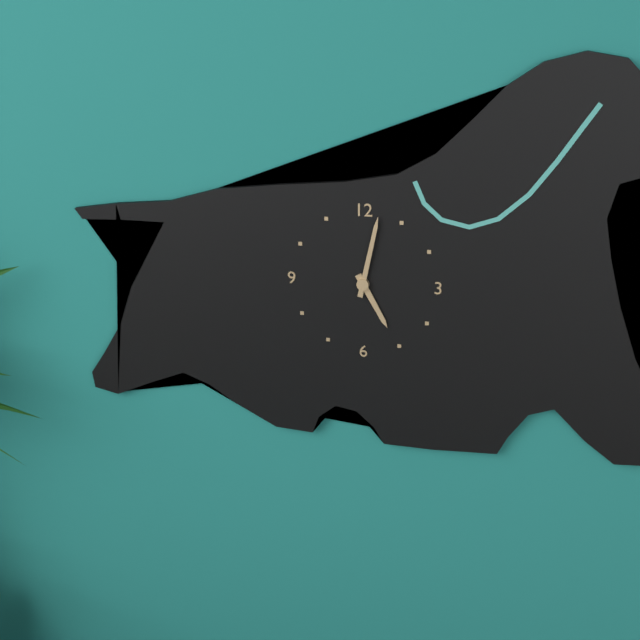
5:02
